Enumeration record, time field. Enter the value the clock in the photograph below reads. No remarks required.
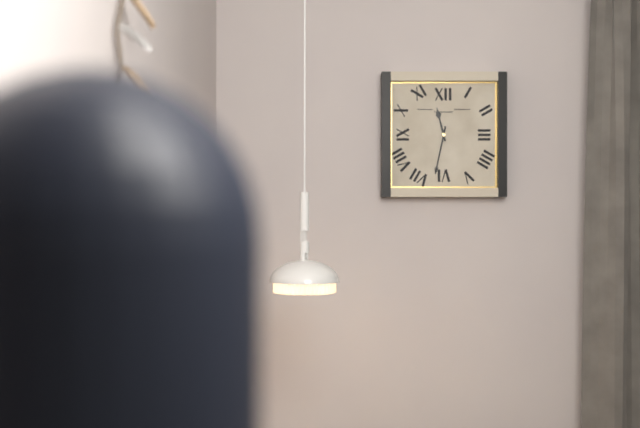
11:32
